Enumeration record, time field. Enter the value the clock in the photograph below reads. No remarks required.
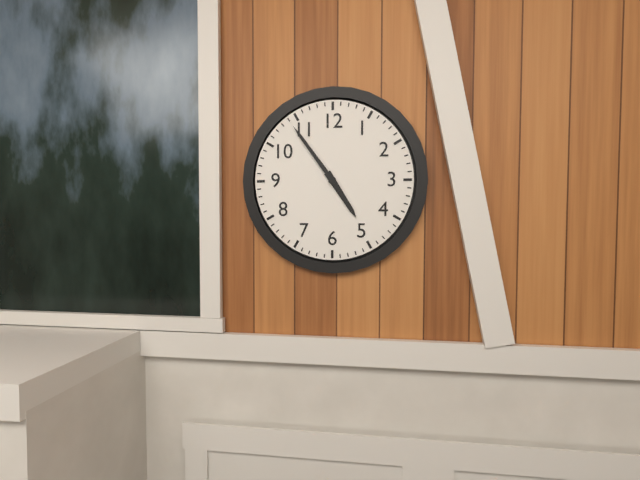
4:54
